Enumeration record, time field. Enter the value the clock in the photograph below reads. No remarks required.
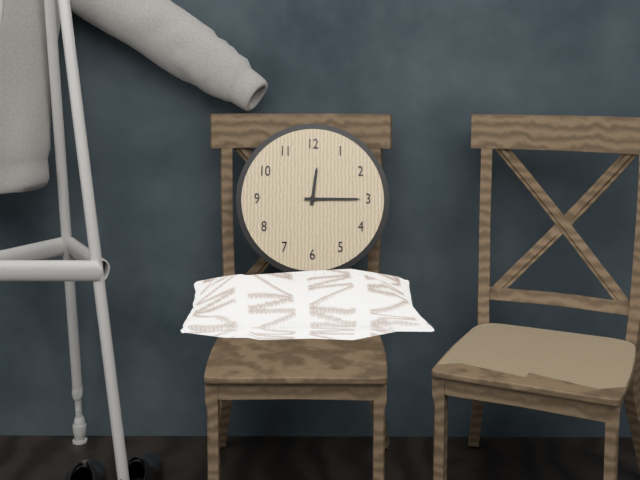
12:15
